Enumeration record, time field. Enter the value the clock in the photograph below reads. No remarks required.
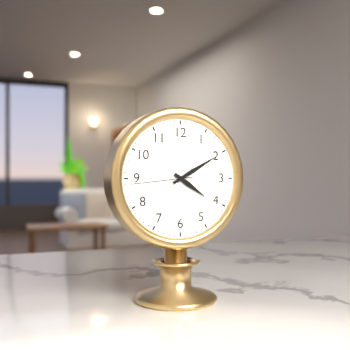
4:10:44
